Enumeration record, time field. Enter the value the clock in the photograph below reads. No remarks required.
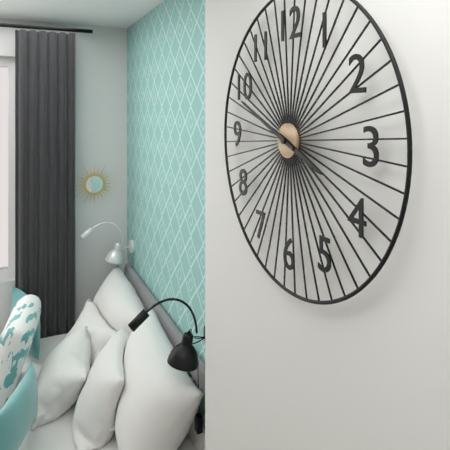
3:49
